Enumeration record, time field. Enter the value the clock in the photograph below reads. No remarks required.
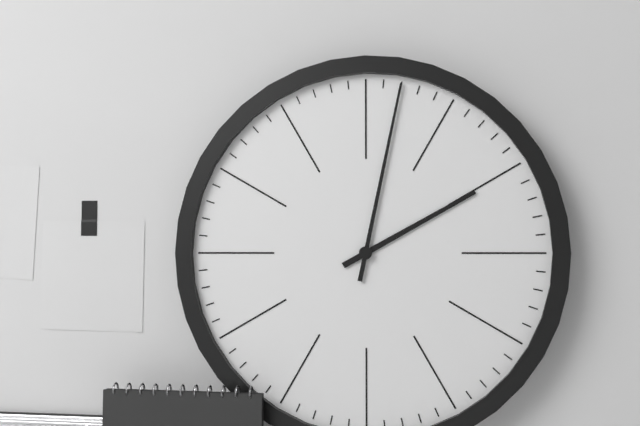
2:02
